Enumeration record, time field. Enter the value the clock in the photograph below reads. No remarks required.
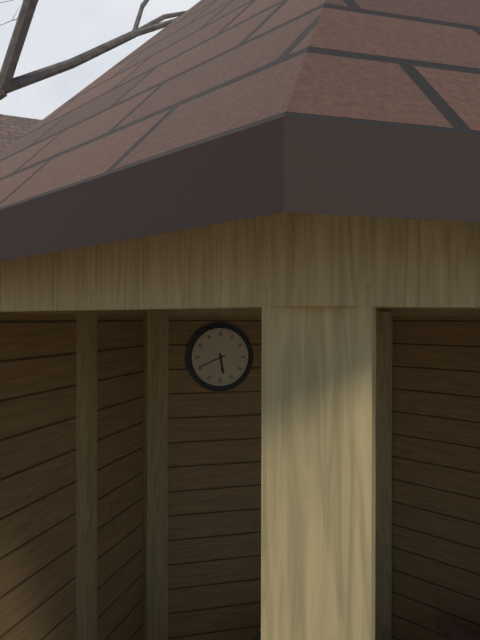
5:41
